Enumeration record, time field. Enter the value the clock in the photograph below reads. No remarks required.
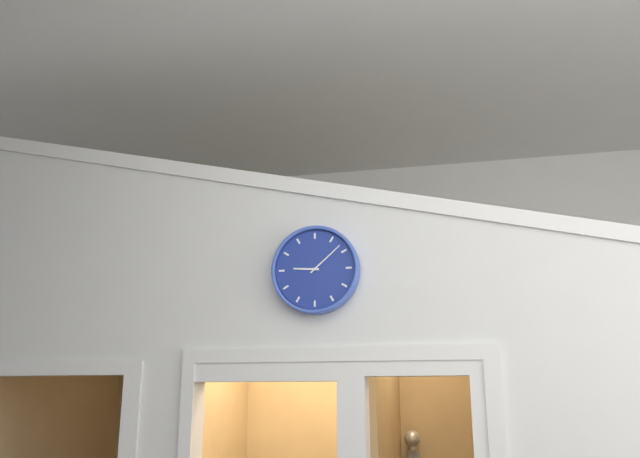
9:08
